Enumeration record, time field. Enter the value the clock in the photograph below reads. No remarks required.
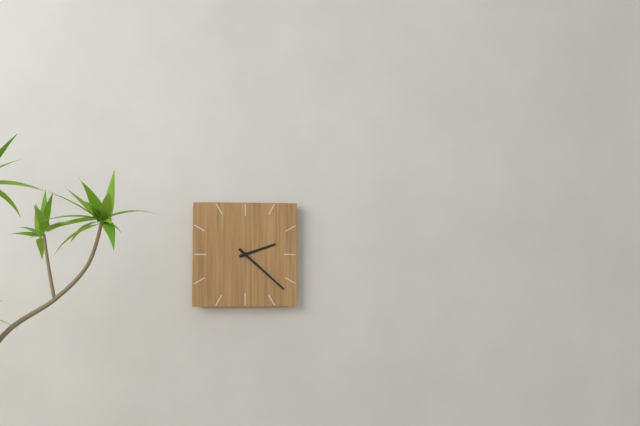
2:22
